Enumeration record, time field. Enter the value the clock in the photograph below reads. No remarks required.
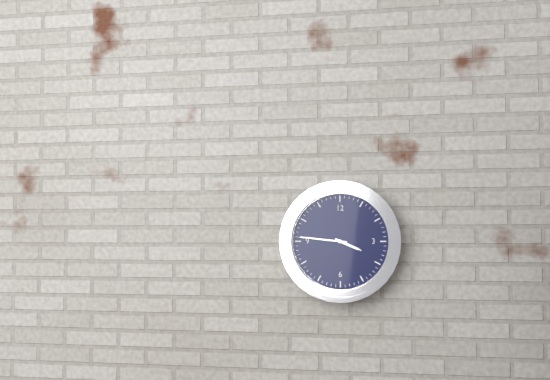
3:46
